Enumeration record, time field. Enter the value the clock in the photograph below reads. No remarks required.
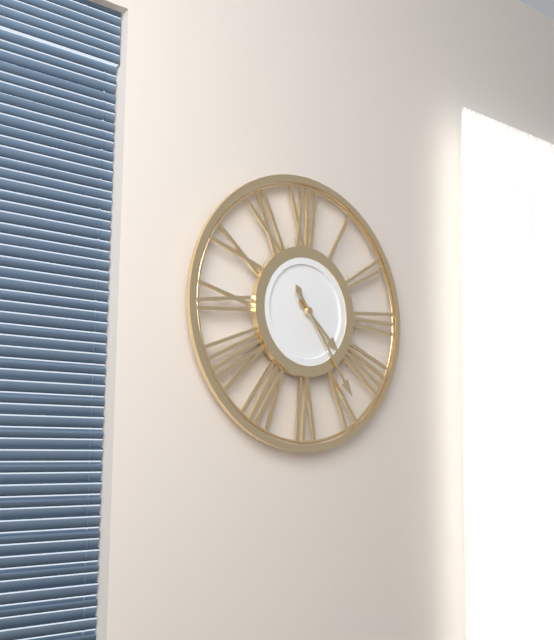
4:24
